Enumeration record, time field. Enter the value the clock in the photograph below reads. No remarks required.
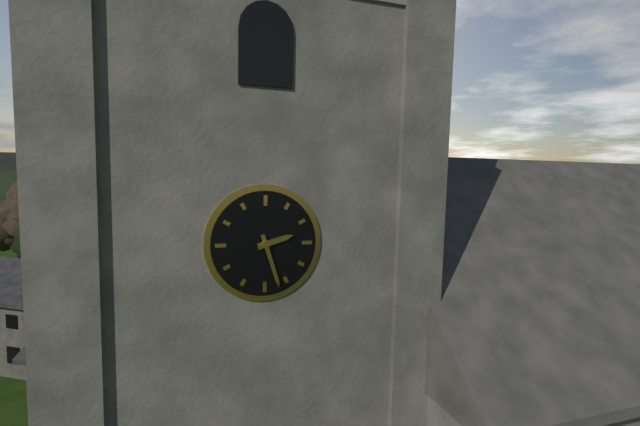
2:27
